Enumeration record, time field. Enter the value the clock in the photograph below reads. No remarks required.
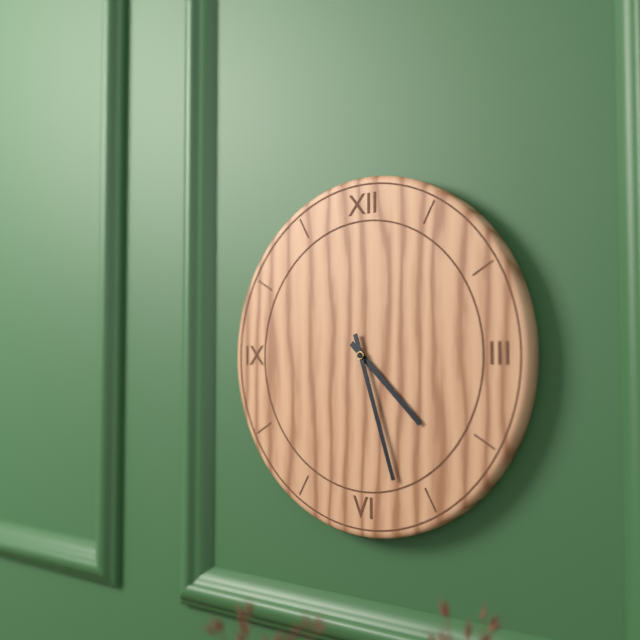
4:27
